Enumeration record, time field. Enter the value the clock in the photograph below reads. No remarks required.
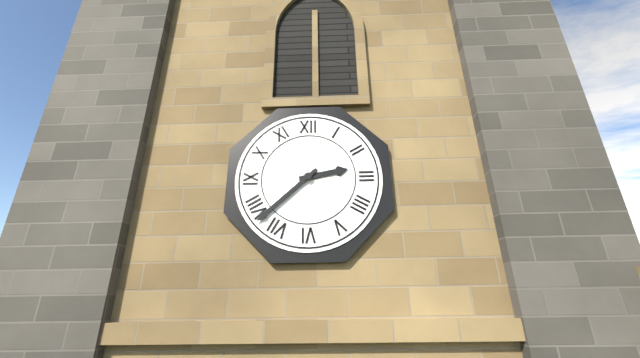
2:38
